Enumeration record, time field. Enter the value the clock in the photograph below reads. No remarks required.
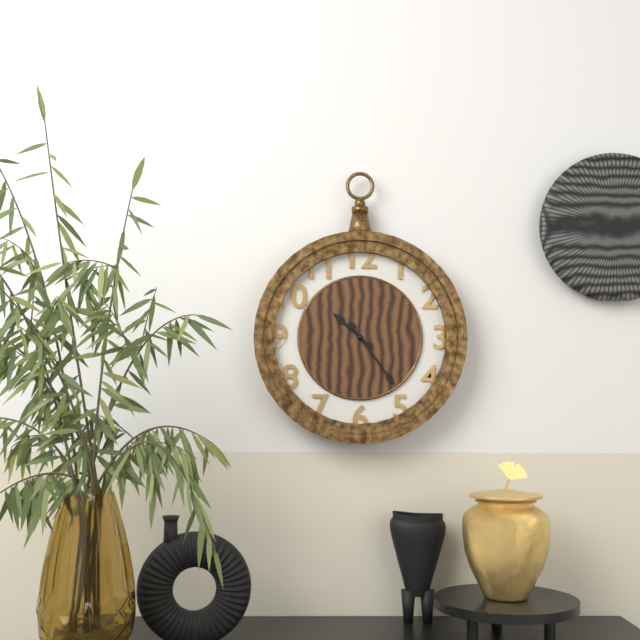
10:24
